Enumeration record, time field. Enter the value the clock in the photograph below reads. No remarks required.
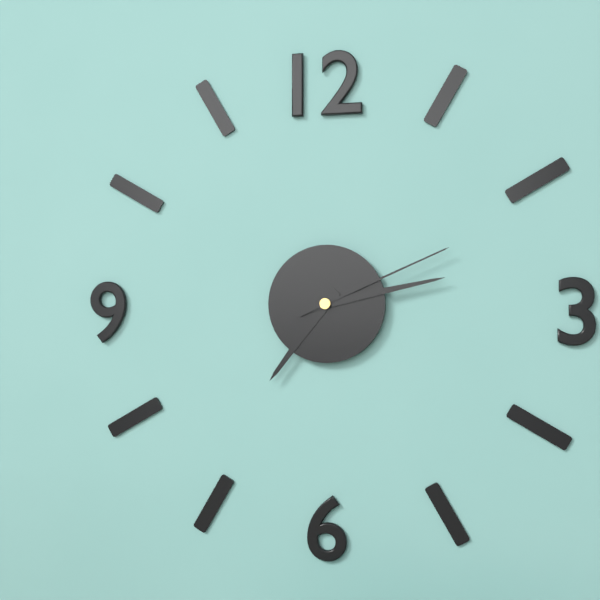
7:13:11
